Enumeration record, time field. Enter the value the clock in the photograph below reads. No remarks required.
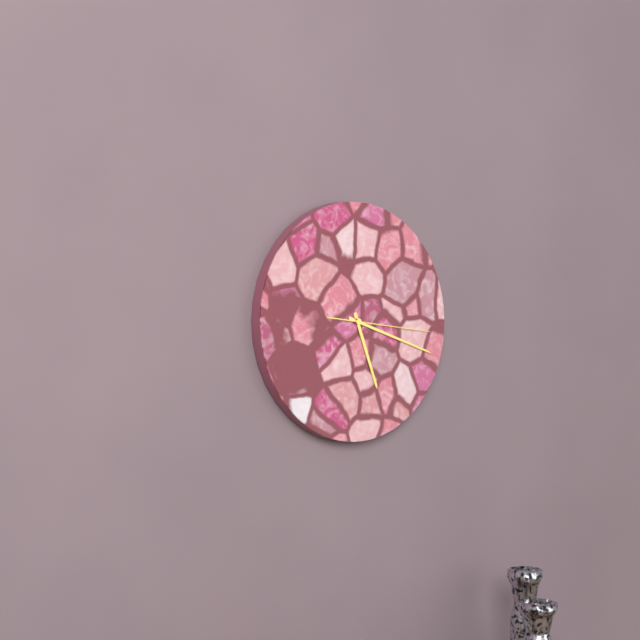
5:18:16
